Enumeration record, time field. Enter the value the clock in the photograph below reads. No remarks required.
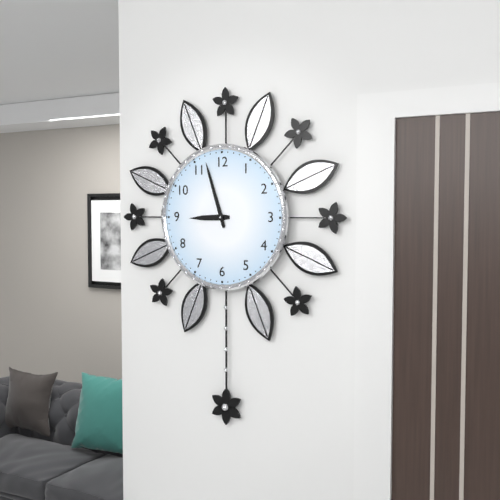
8:57
